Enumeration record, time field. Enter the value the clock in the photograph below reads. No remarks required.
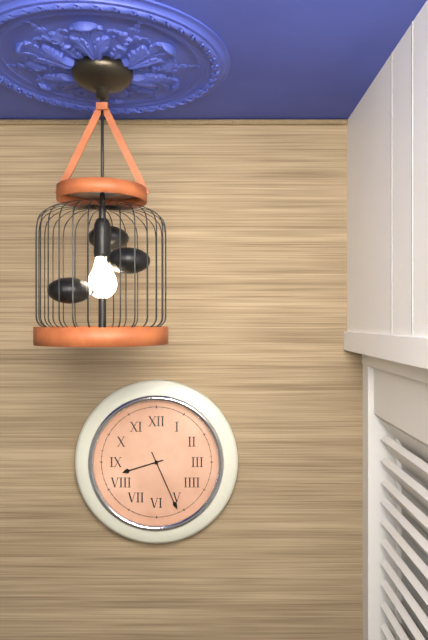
8:26
